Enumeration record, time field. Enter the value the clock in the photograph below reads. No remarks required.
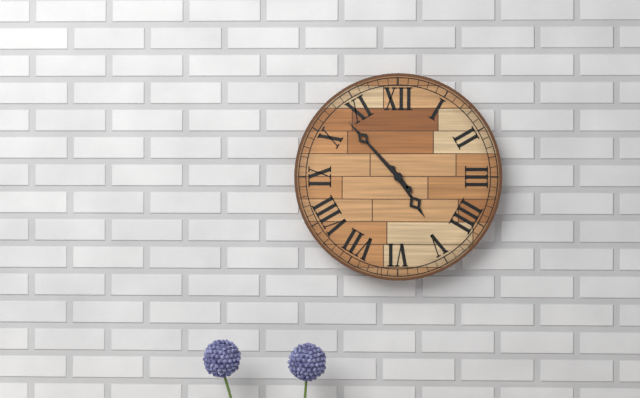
4:53
